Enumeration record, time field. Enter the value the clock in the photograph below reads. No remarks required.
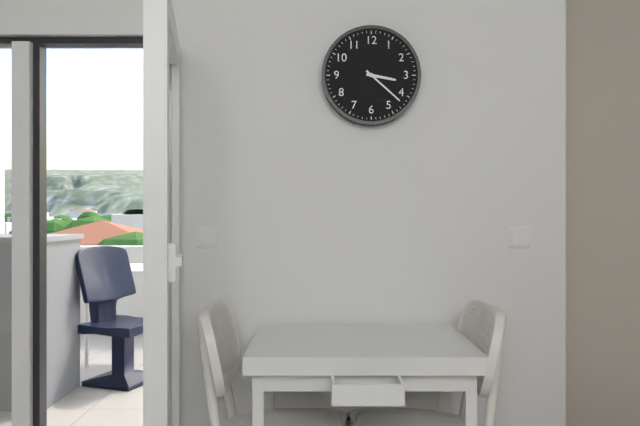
3:22
